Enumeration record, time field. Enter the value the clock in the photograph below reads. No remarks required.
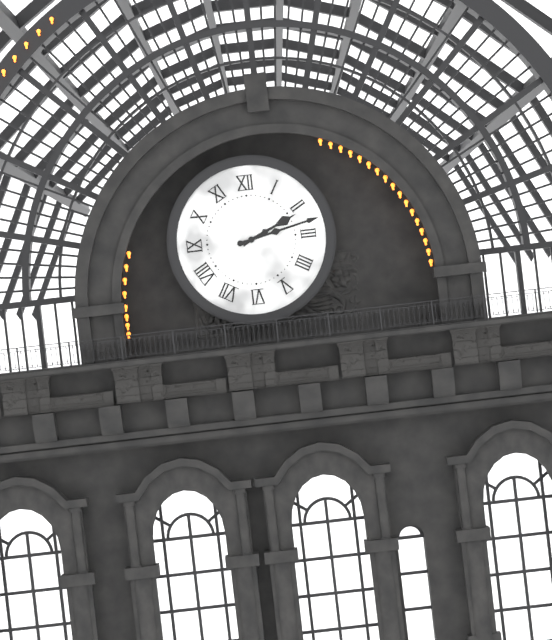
2:13
